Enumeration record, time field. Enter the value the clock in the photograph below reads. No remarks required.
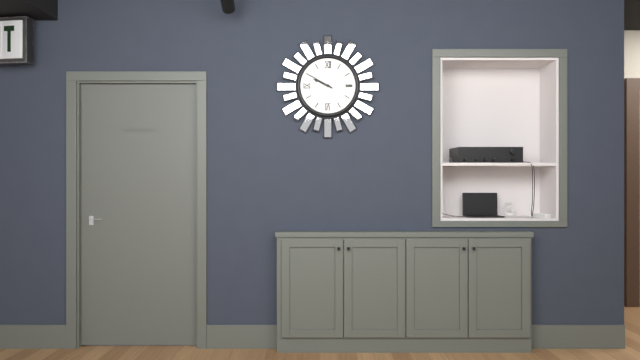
9:50
